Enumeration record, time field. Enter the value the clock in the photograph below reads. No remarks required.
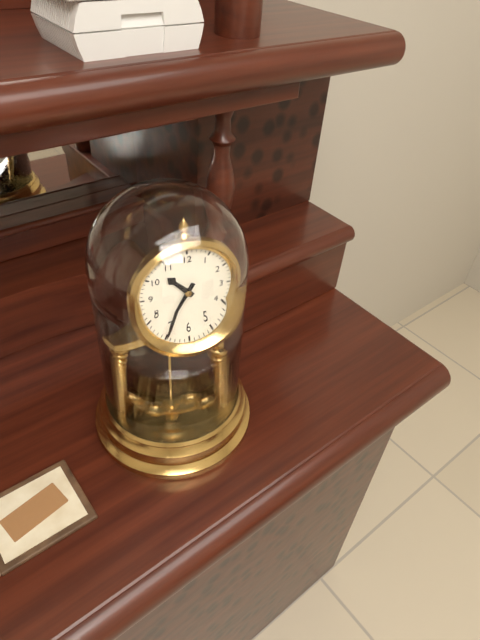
10:35
